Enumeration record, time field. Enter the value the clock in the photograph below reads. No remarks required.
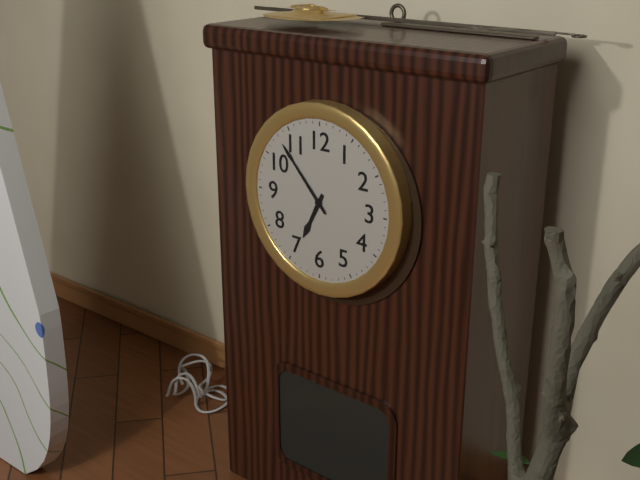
6:53
